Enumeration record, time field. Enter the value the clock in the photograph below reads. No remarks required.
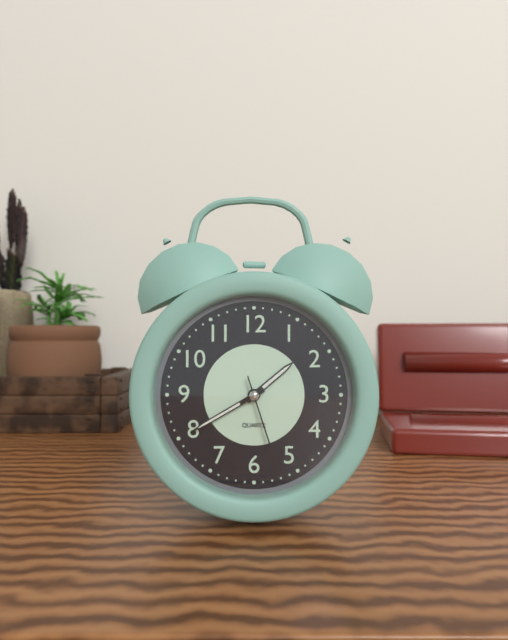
1:40:27
